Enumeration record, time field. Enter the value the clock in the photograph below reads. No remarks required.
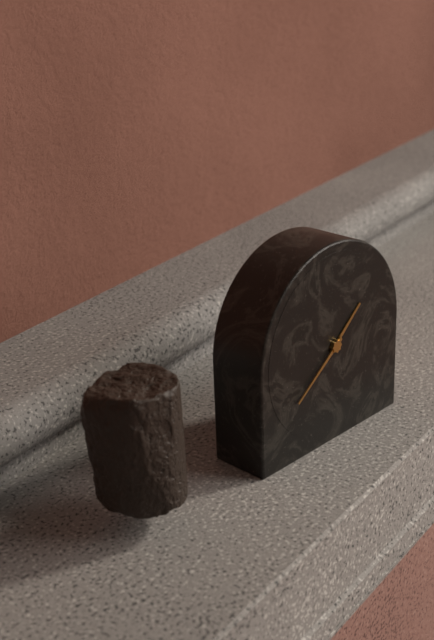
1:39
